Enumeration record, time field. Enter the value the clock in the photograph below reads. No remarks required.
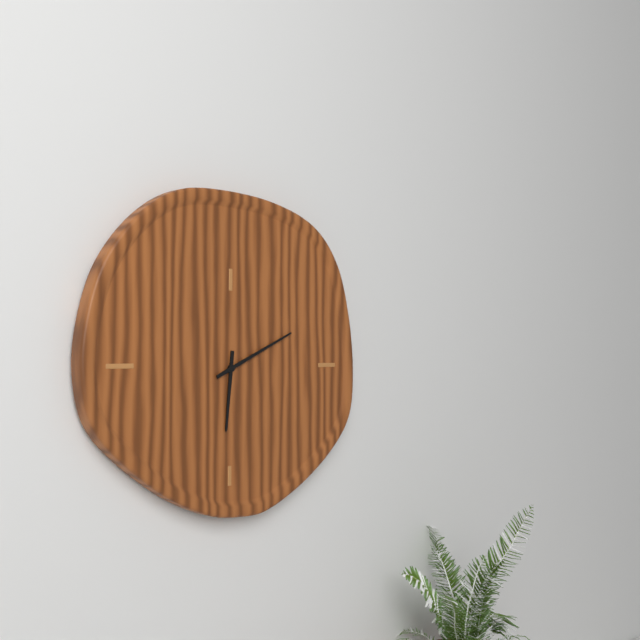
6:11
